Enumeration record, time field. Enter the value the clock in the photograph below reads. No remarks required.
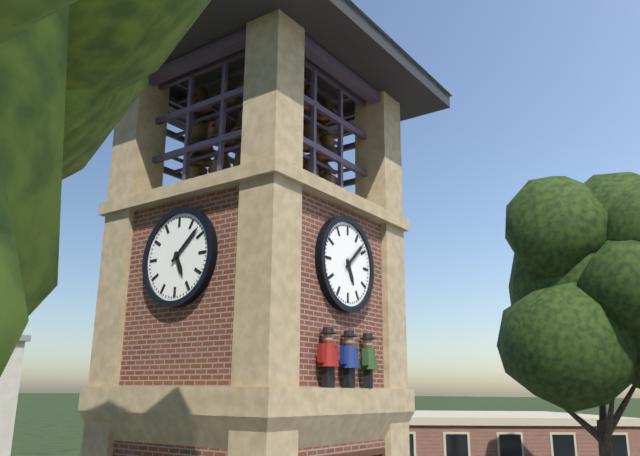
5:08
